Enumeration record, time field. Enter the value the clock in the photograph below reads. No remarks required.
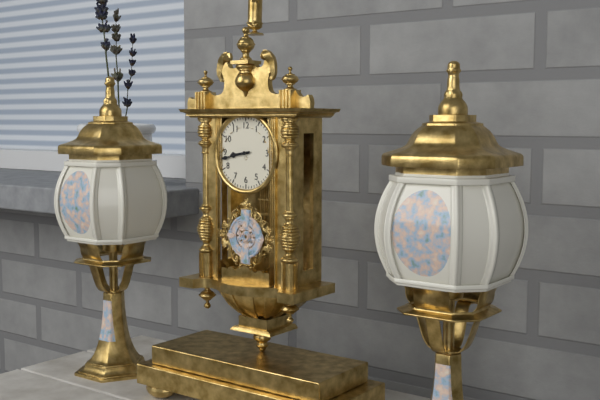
8:43
